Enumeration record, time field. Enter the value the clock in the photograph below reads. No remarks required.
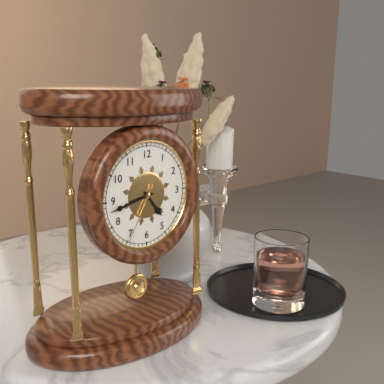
4:43:35
